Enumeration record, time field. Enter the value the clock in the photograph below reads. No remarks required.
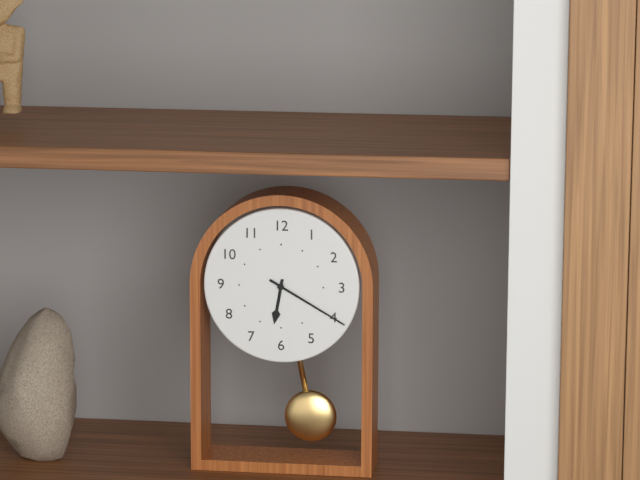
6:20
